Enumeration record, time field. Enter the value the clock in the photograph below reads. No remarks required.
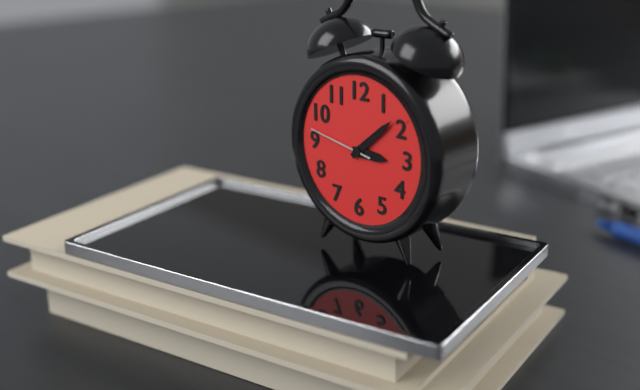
3:08:47
